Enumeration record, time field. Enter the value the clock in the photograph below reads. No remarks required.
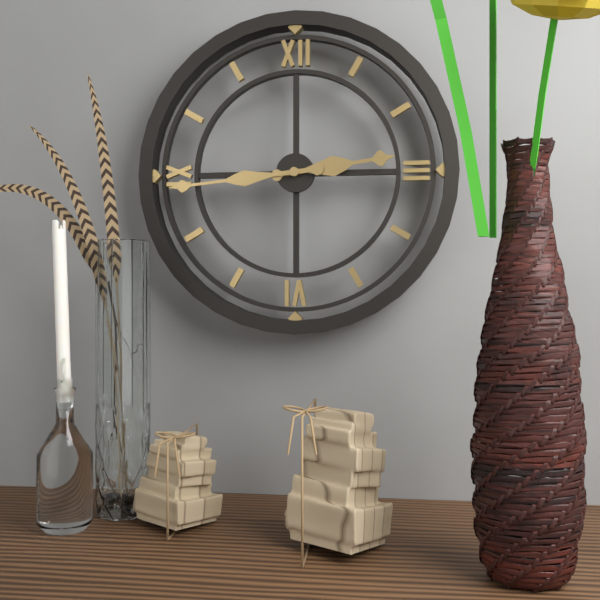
2:44
